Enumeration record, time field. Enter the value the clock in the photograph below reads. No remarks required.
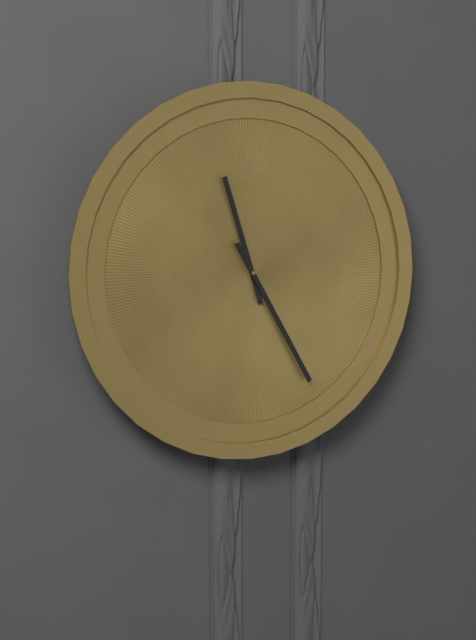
11:25
